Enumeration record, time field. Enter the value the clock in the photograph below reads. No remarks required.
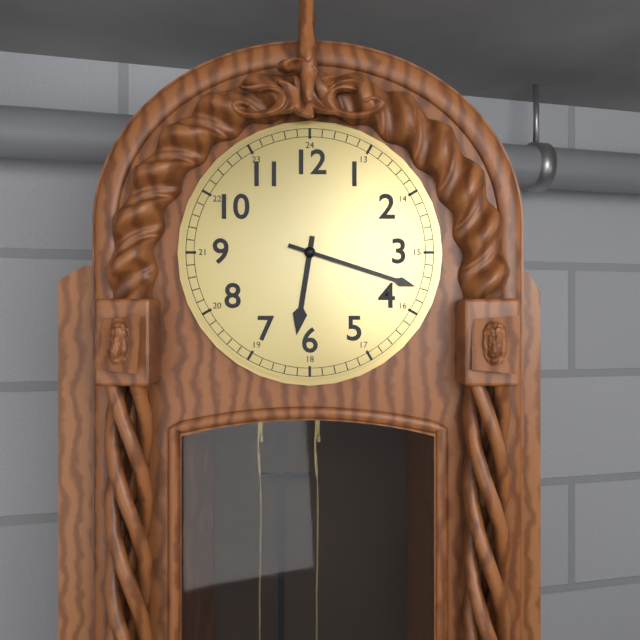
6:18
